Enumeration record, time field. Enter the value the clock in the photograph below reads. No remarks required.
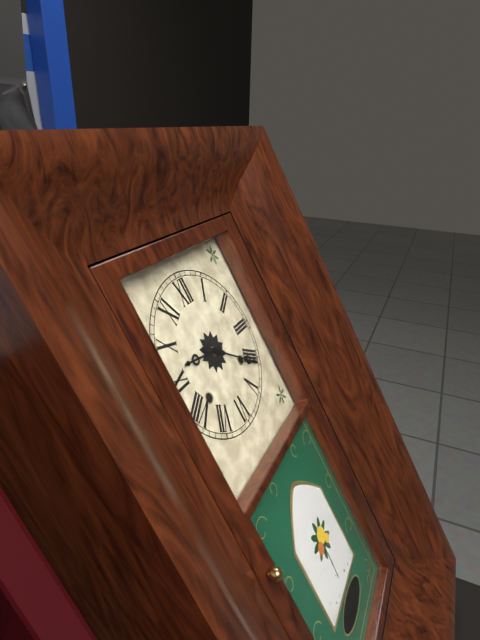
9:21
